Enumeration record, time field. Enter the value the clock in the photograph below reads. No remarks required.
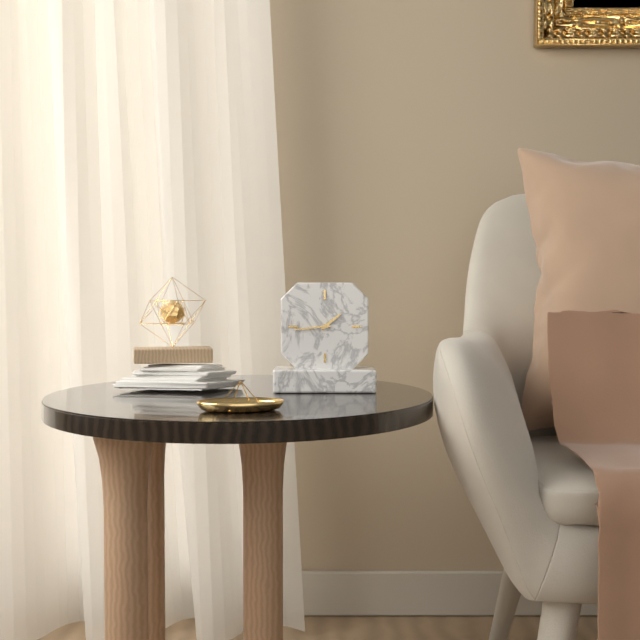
1:44
